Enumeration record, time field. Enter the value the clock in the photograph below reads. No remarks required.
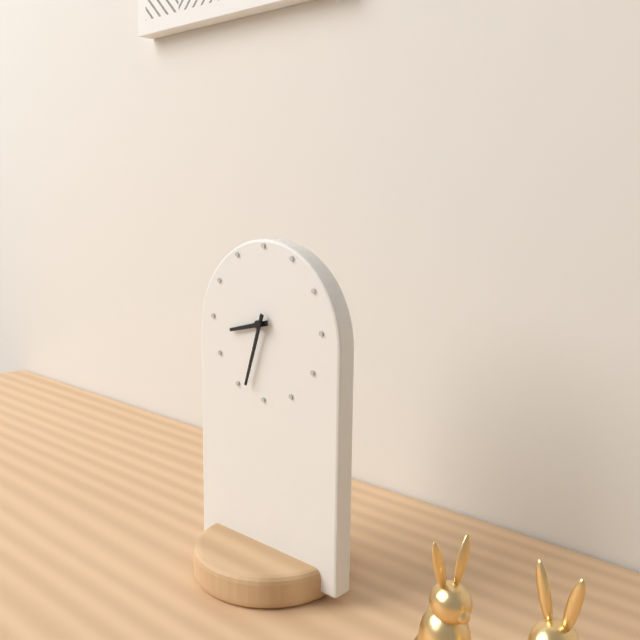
8:33
